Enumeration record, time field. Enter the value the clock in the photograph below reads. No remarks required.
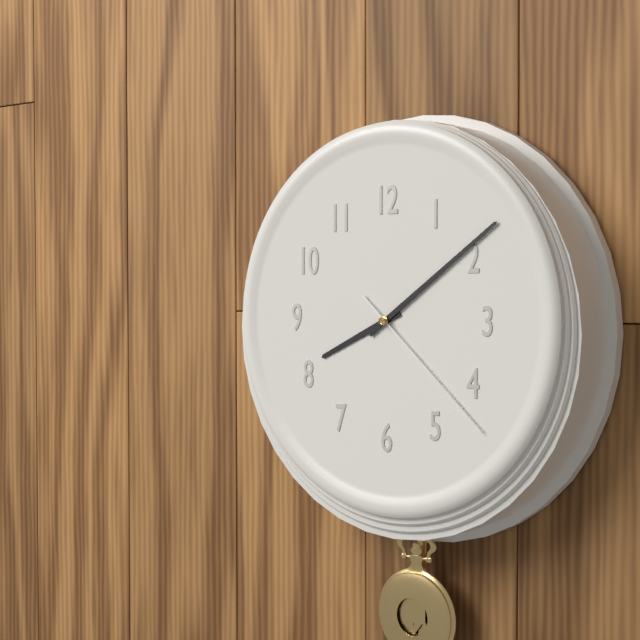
8:09:22
